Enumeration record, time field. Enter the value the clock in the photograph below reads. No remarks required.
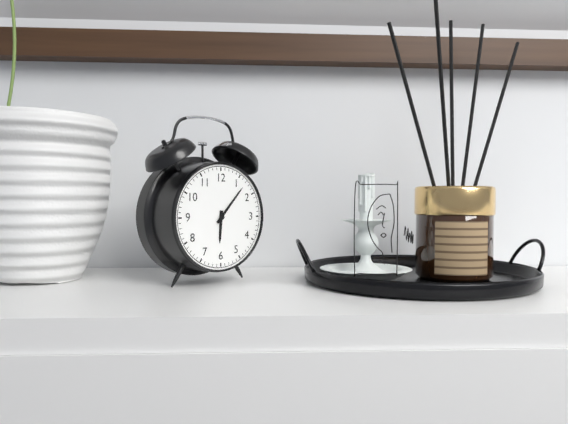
6:07
